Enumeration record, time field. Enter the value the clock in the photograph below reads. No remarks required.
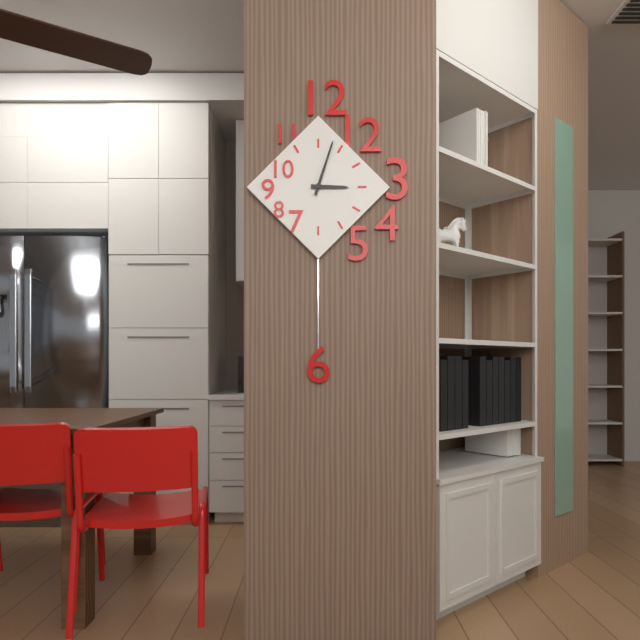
3:03
